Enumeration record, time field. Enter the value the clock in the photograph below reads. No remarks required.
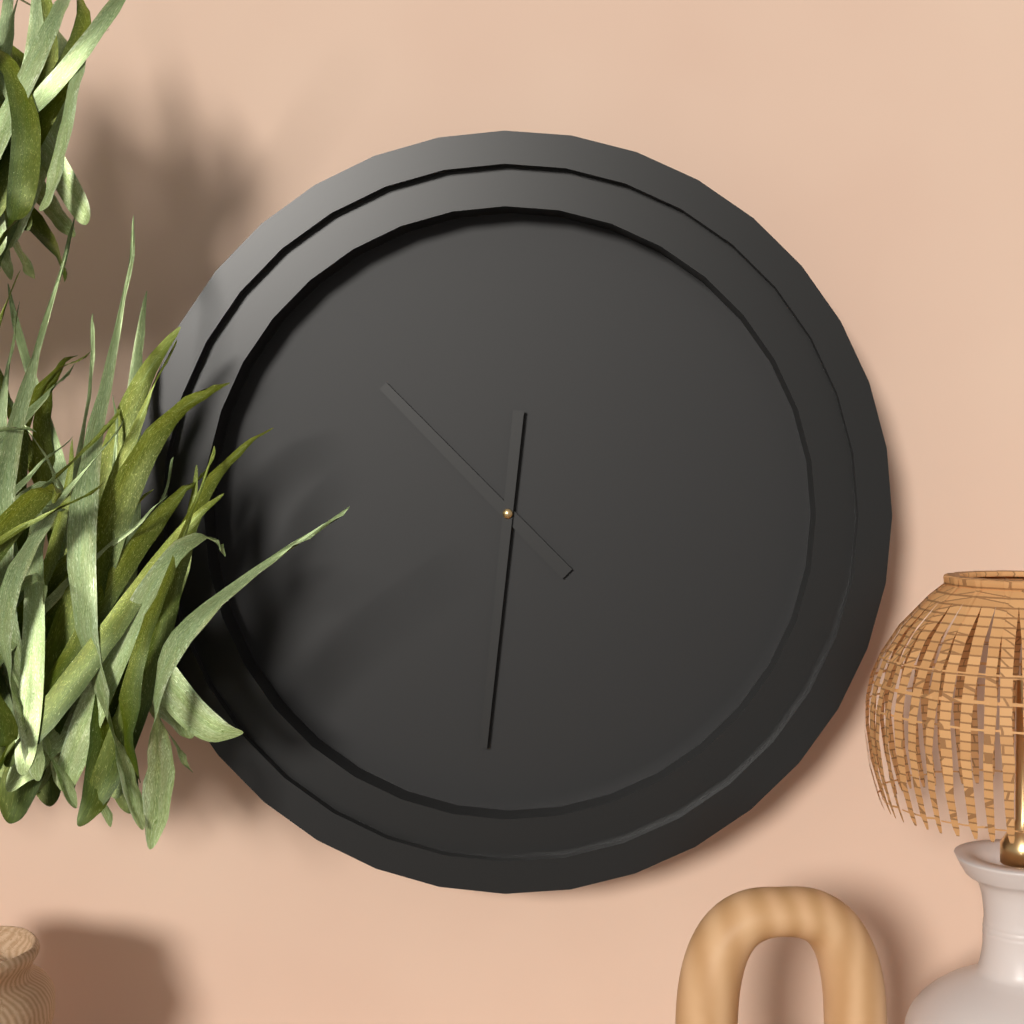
10:31
